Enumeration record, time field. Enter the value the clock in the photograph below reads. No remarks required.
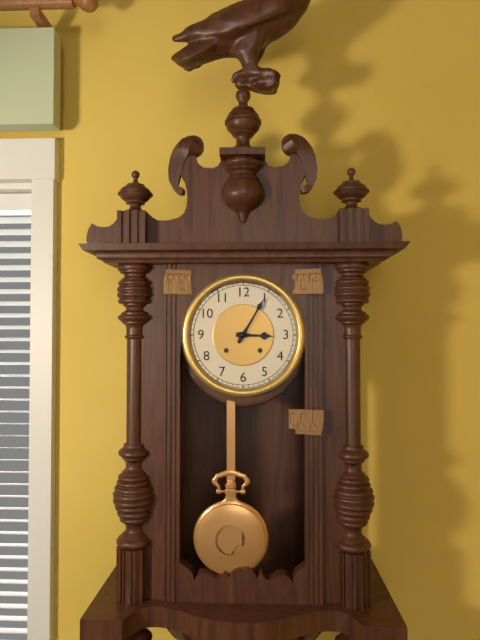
3:05
